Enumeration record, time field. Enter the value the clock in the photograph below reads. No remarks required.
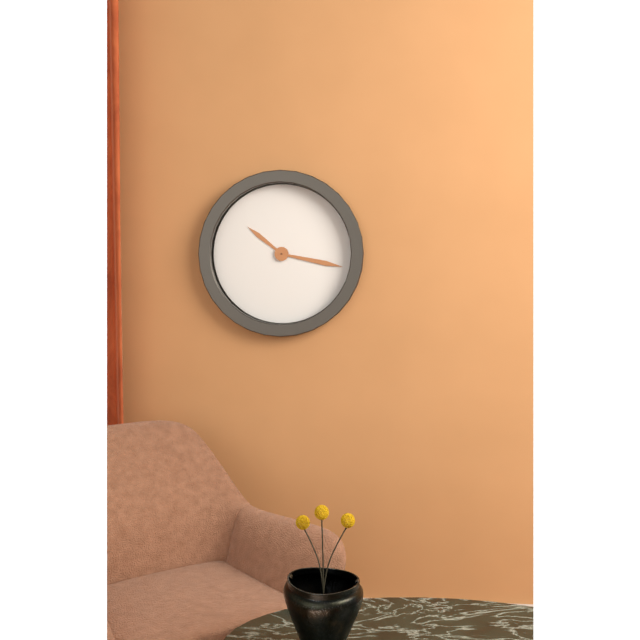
10:17
